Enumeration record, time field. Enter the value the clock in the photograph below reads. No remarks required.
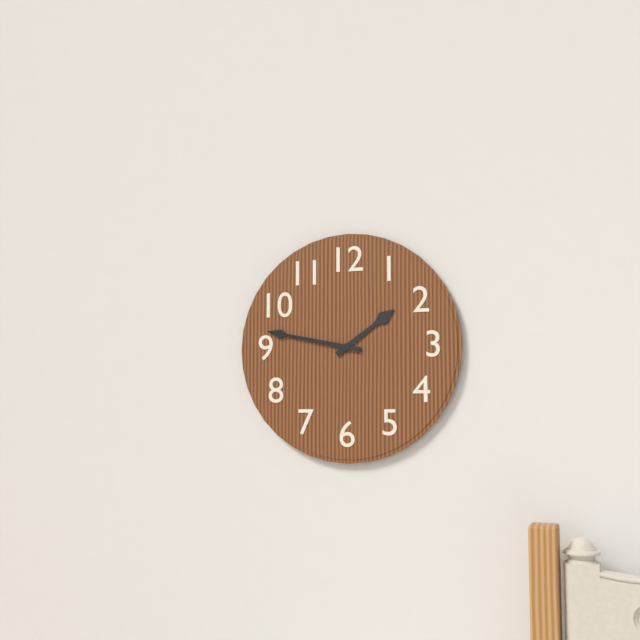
1:47
